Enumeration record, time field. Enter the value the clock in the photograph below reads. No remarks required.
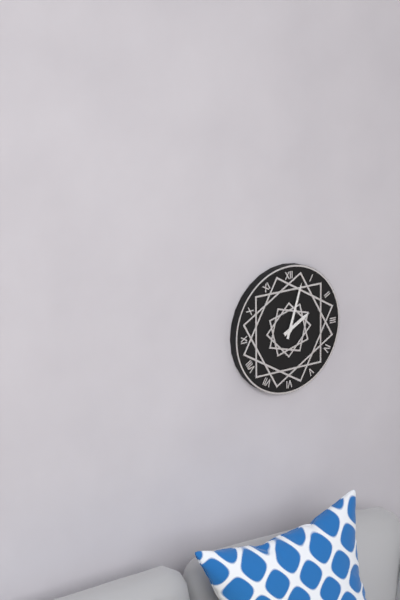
2:03
